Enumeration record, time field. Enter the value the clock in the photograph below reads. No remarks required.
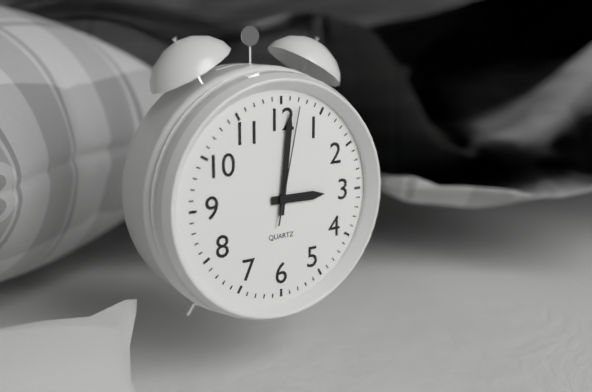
3:01:02
